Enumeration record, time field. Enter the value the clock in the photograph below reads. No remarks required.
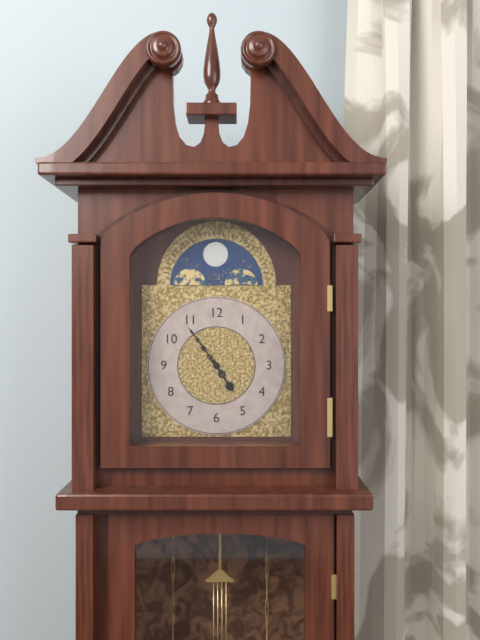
4:54
